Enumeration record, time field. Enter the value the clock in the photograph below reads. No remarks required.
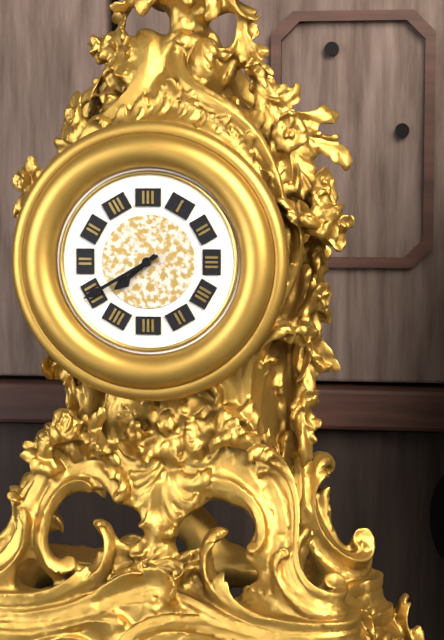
7:40
